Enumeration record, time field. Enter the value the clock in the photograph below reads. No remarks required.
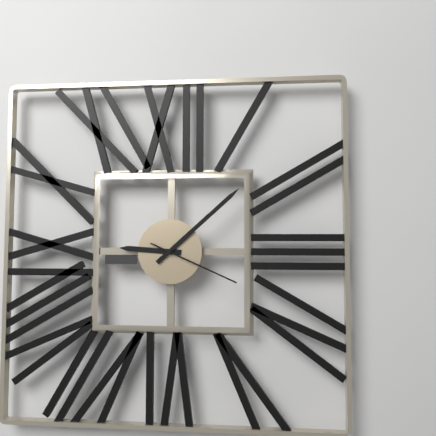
9:08:19
